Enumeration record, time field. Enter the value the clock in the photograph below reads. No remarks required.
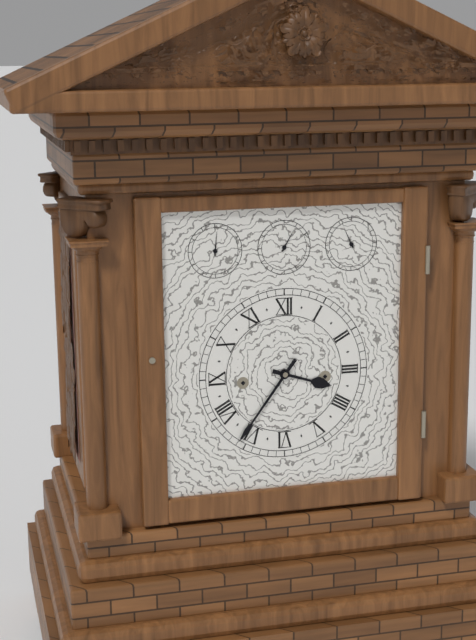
3:36
